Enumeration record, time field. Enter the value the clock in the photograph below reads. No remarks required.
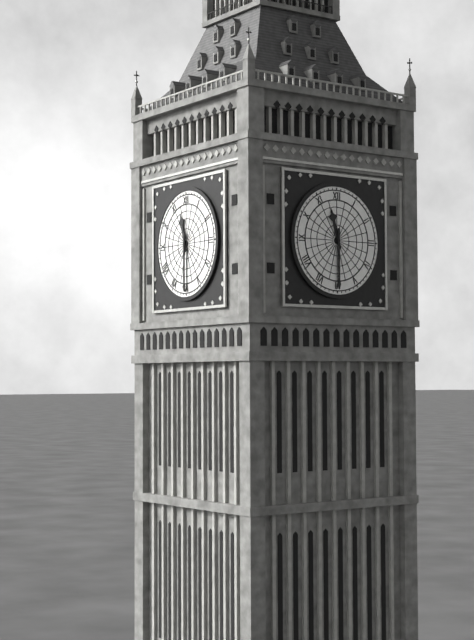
11:30
